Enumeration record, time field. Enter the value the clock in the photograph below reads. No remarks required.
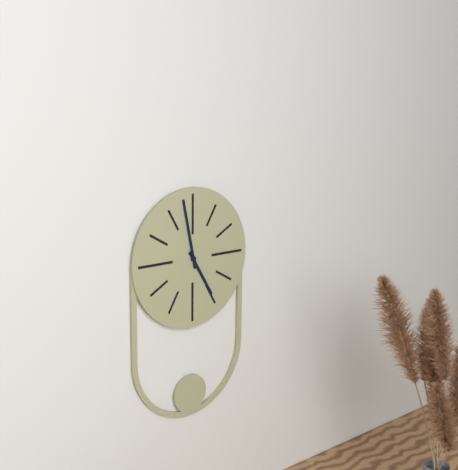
4:58
